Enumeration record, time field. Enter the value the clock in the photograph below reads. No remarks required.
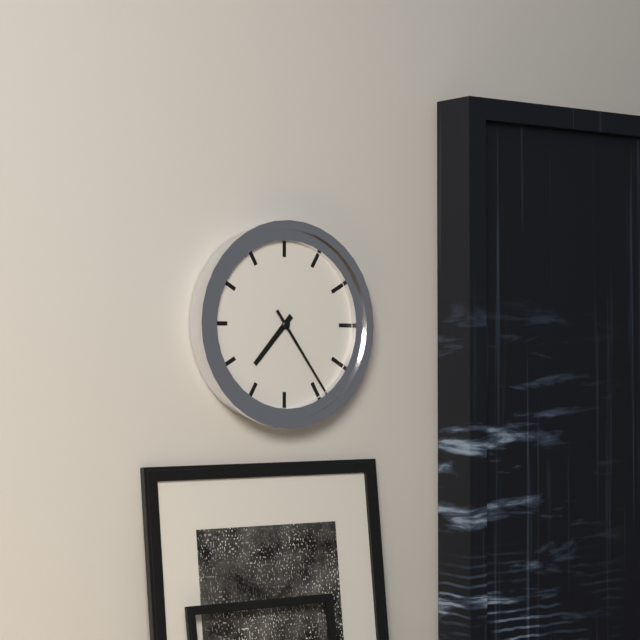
7:24
